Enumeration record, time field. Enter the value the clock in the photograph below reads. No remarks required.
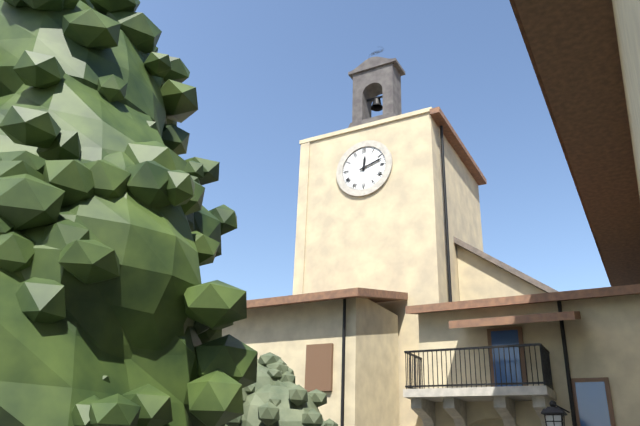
12:12
